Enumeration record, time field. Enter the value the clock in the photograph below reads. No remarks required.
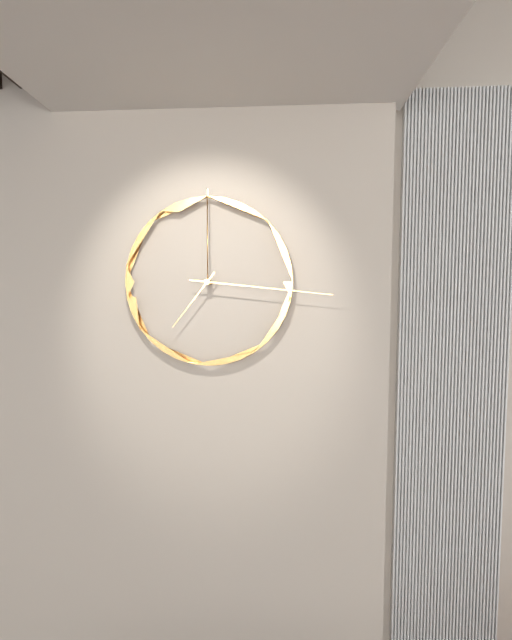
7:16
